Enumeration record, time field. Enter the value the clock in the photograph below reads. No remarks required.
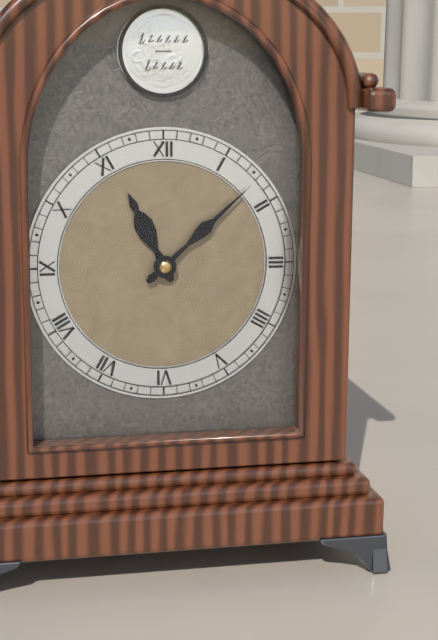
11:08
